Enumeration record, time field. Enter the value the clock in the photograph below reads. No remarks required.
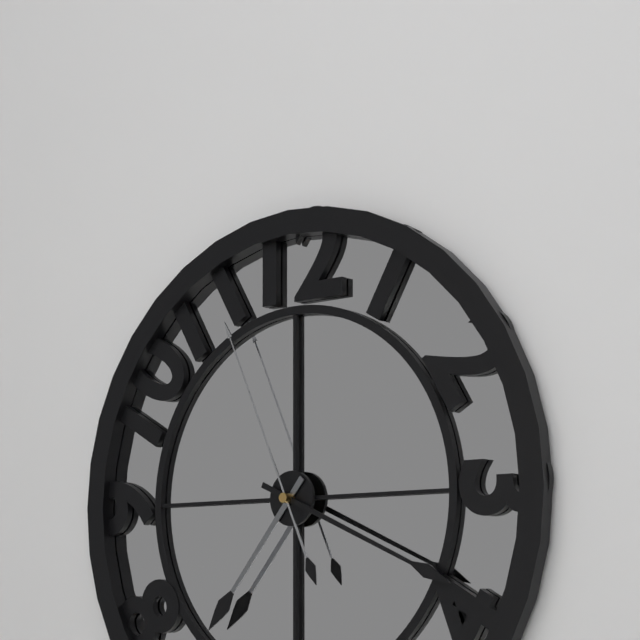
7:19:56
